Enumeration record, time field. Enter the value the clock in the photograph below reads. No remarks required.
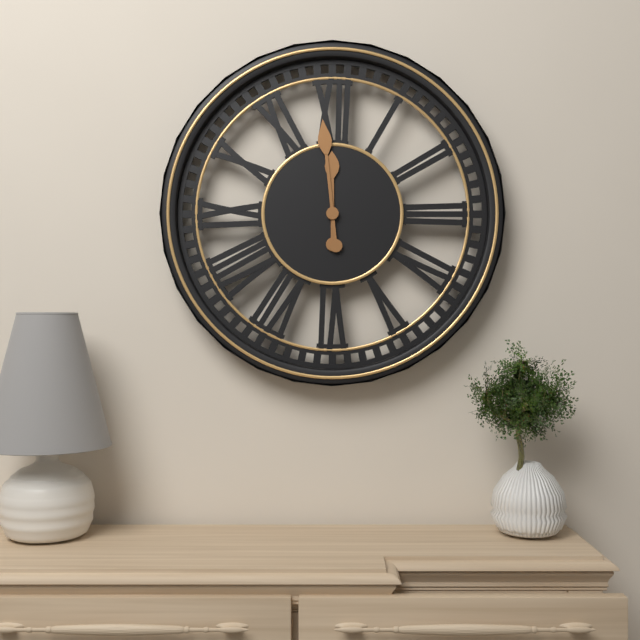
11:59
